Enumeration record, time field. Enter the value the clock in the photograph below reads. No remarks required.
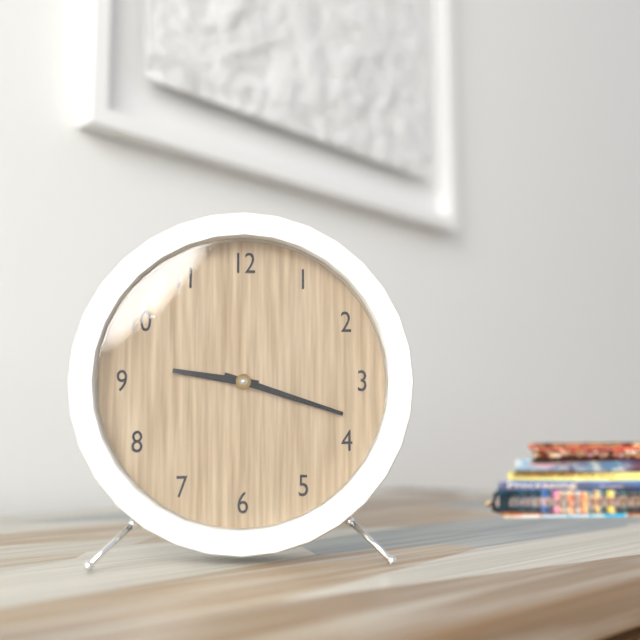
9:18
